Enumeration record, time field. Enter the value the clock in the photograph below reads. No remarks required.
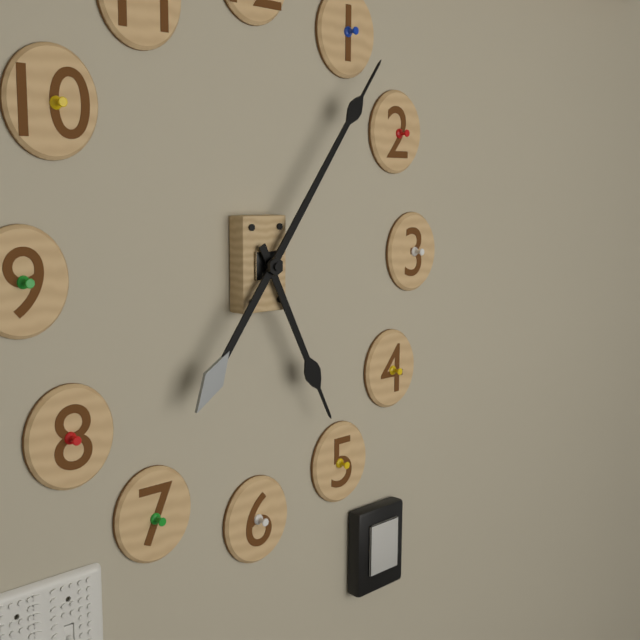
5:06
